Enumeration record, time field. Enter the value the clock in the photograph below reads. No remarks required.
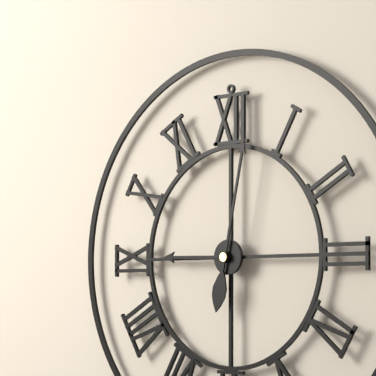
9:02
